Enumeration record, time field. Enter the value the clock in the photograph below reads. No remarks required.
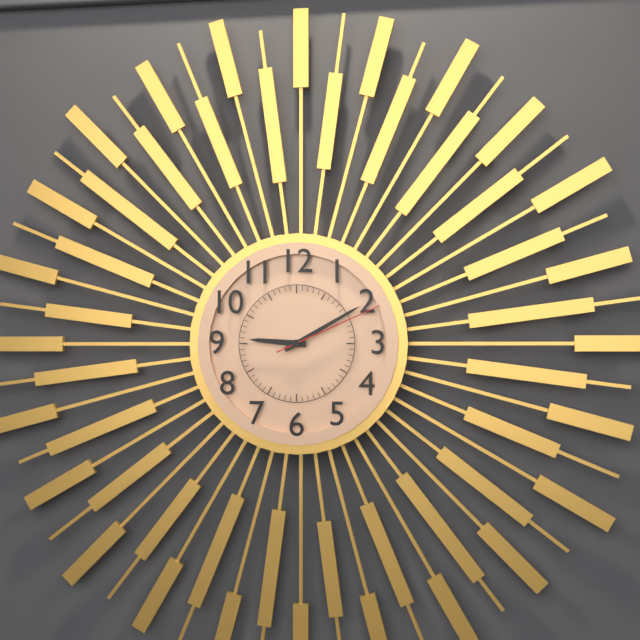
9:10:11
